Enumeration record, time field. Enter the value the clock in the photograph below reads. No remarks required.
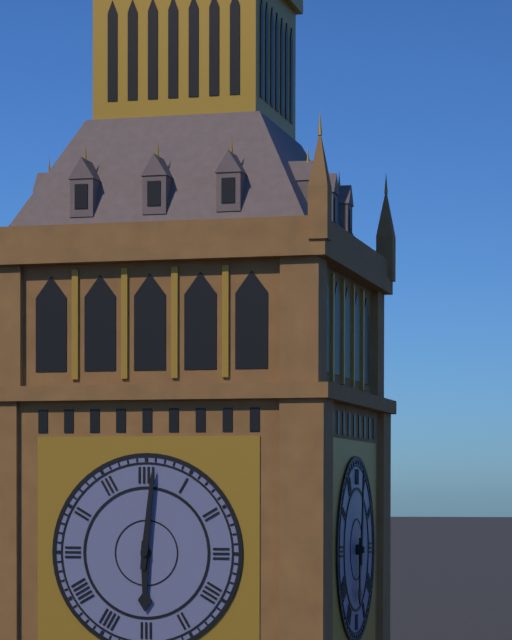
6:01
